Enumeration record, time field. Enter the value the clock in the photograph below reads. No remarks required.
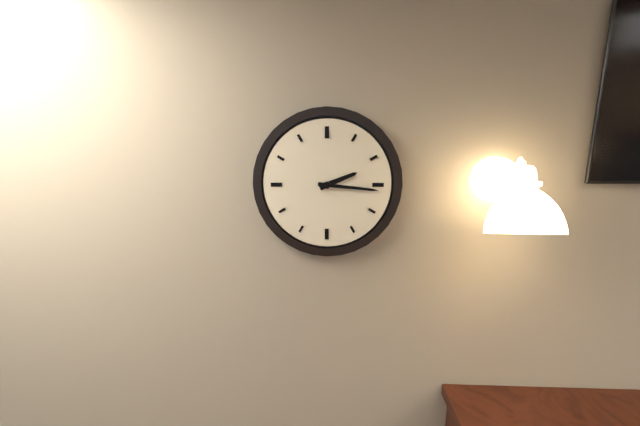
2:16
